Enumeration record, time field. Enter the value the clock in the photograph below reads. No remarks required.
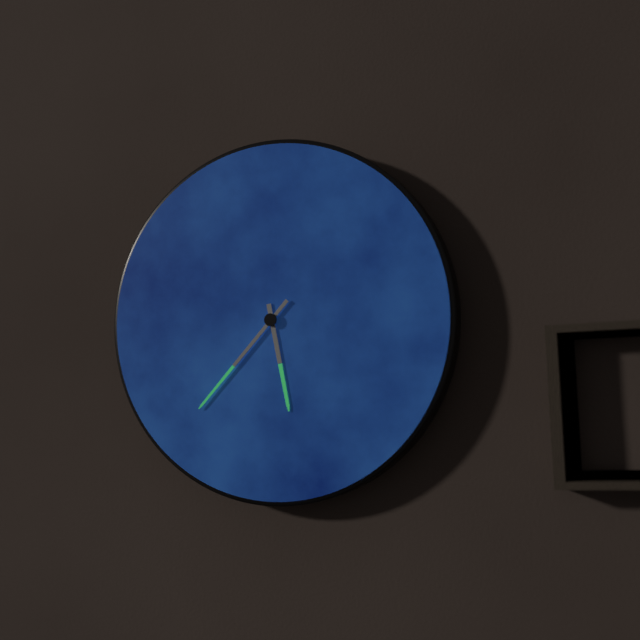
5:37
